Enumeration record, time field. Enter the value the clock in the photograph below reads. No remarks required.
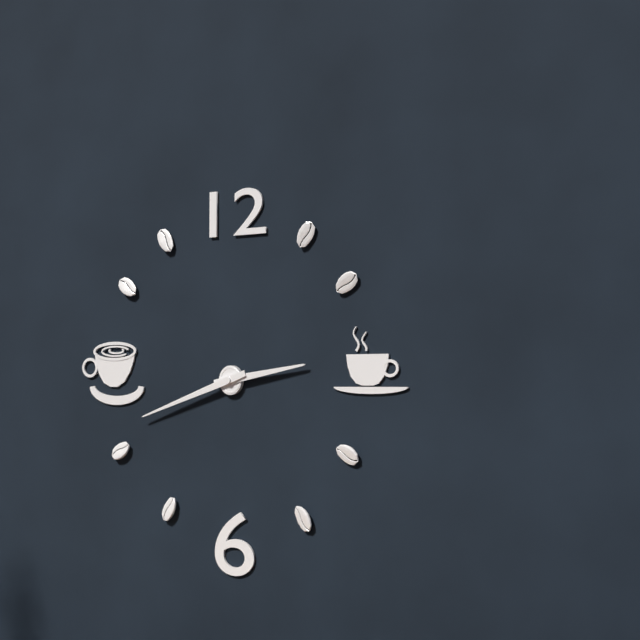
2:42
